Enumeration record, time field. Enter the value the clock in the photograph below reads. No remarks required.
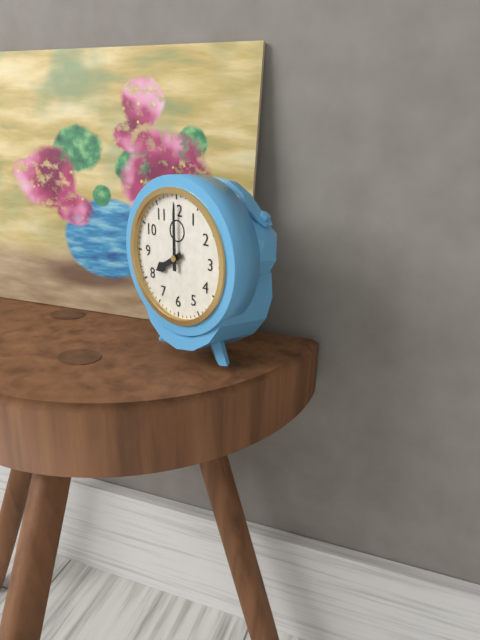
8:00
